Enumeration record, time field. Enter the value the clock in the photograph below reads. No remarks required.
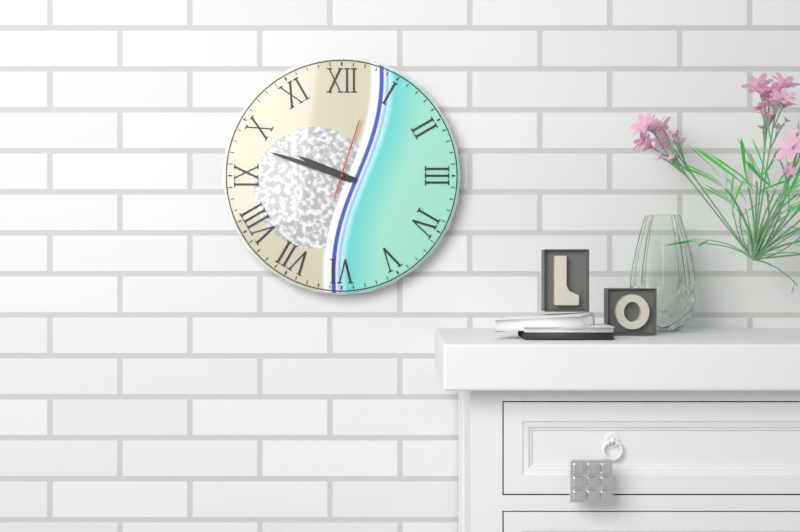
9:48:03
